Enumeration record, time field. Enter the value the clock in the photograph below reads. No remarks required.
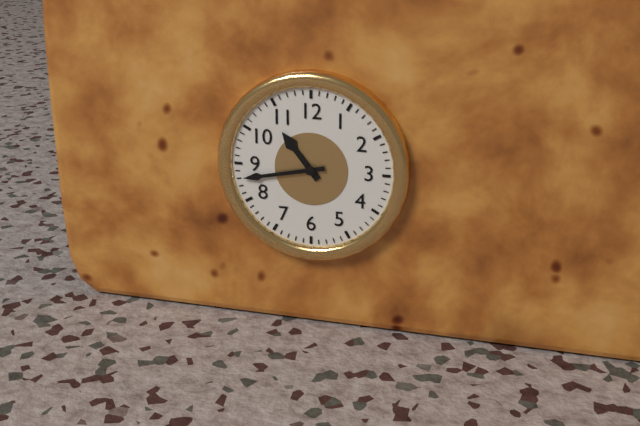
10:43
